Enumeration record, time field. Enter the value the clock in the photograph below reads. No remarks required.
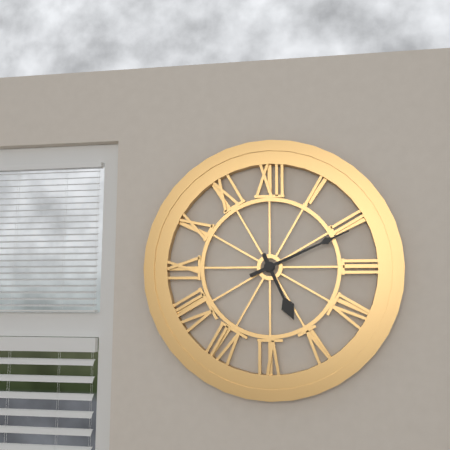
5:11
